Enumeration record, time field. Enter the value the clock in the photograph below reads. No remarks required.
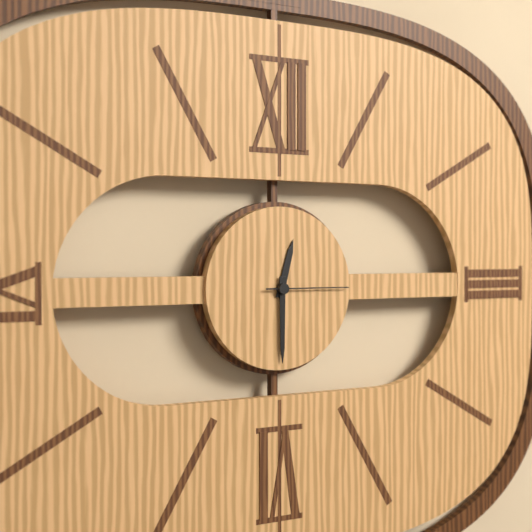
12:30:15
